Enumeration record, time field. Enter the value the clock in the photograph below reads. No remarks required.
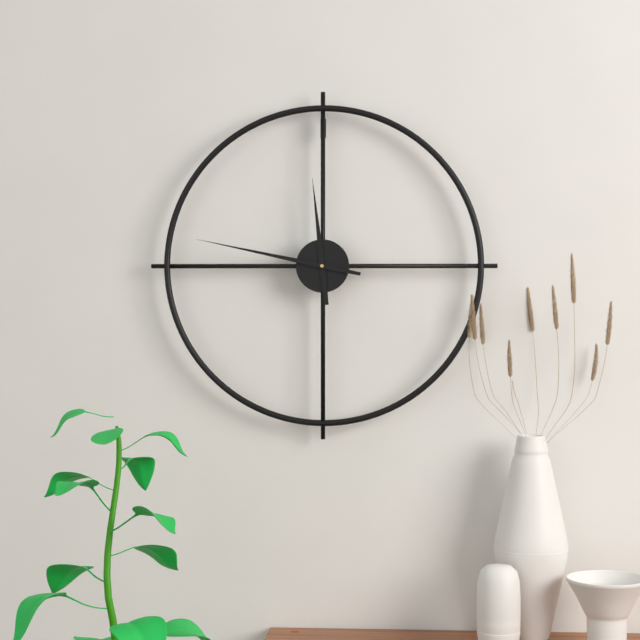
11:47
